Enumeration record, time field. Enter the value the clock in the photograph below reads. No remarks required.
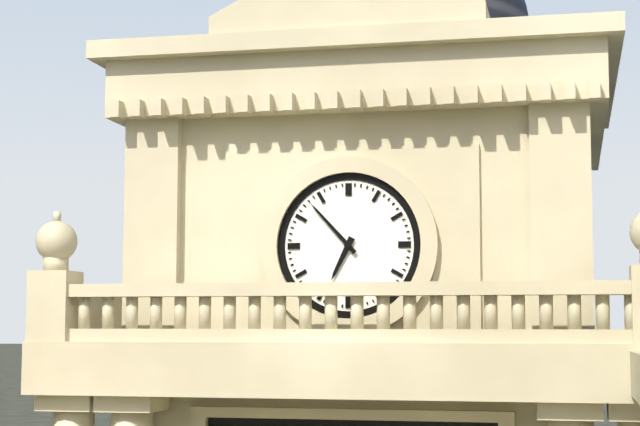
6:53
